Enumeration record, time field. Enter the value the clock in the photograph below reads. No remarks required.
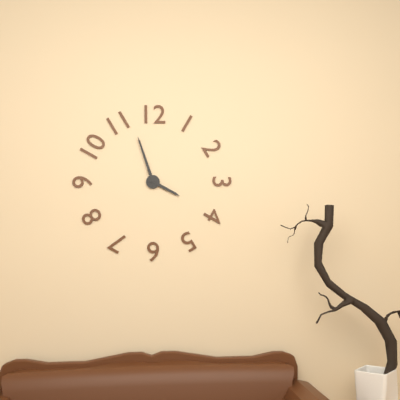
3:57
